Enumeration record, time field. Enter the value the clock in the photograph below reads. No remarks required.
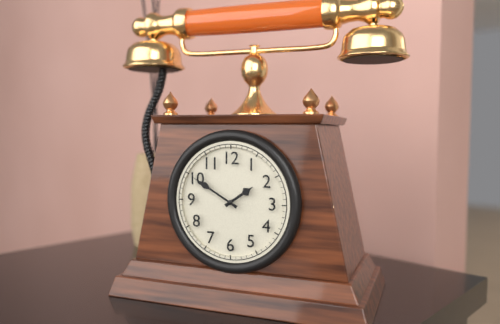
1:50
